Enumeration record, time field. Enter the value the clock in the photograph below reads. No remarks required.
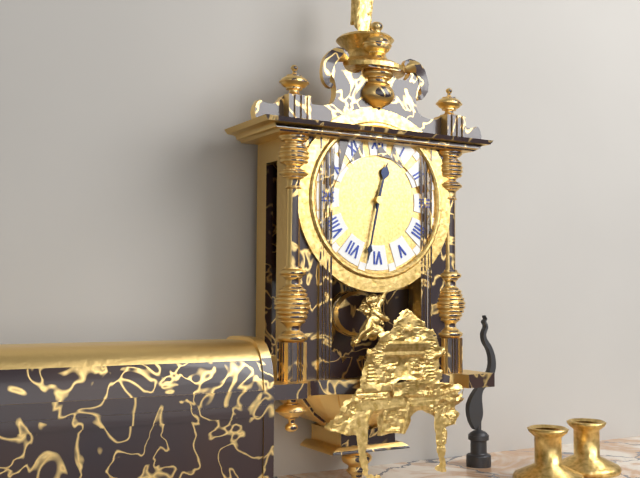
12:32
